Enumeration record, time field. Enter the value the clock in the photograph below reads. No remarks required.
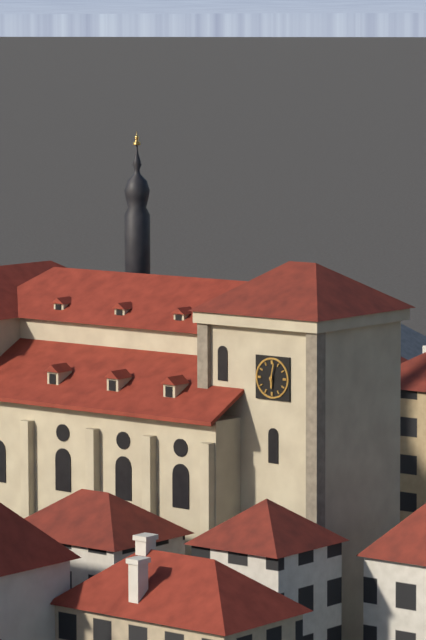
6:02
